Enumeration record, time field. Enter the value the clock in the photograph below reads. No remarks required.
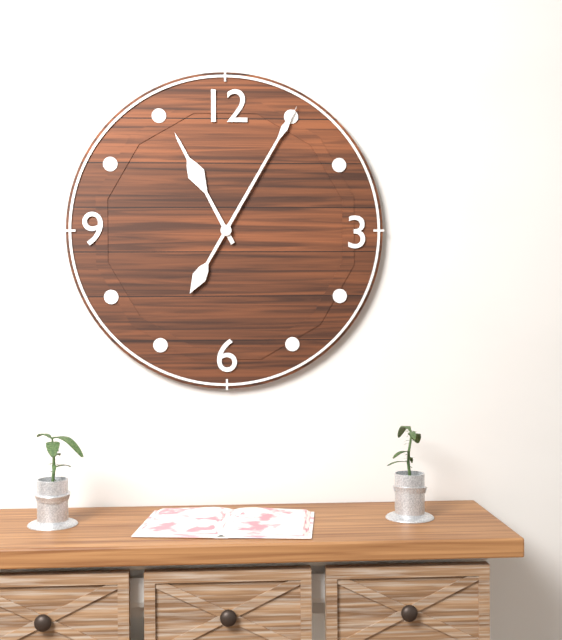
11:05
